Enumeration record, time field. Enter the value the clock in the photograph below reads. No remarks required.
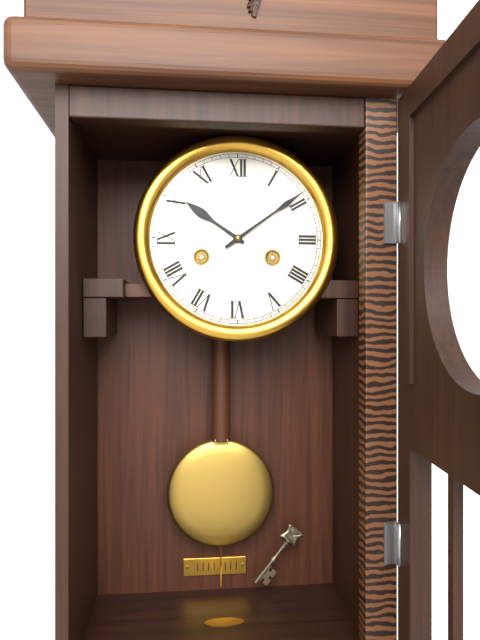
10:09
